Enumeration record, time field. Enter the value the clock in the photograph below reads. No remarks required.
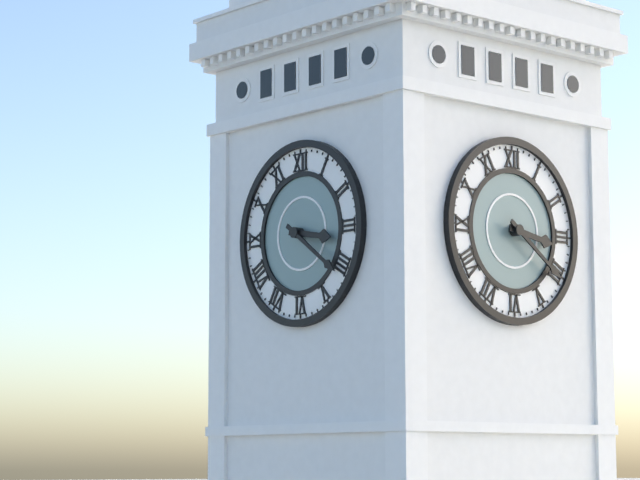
3:21
